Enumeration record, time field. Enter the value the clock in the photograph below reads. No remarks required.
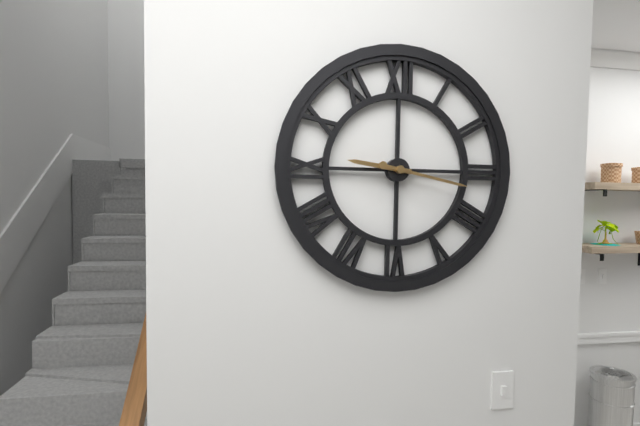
9:17
